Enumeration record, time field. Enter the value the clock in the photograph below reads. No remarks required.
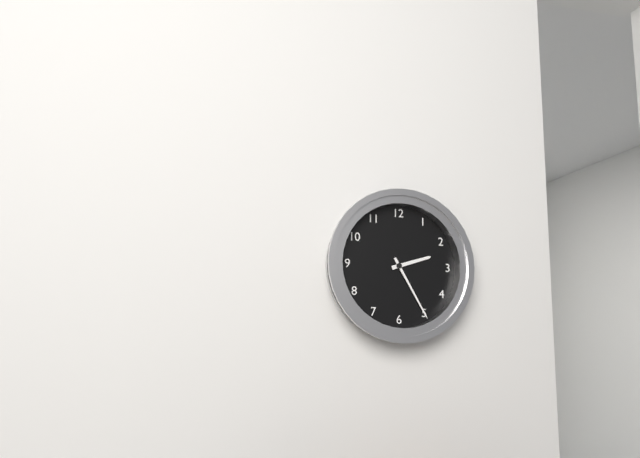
2:25
